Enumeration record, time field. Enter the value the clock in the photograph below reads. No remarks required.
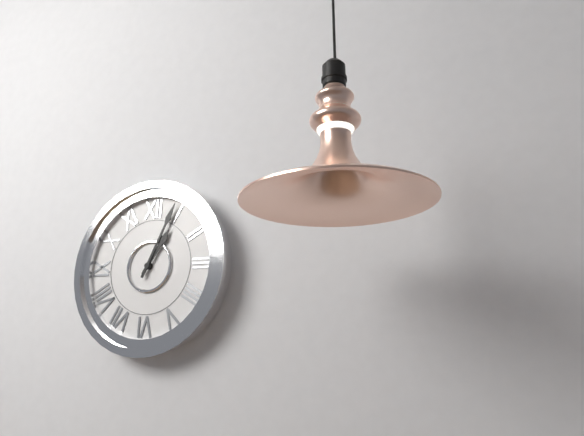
1:04
